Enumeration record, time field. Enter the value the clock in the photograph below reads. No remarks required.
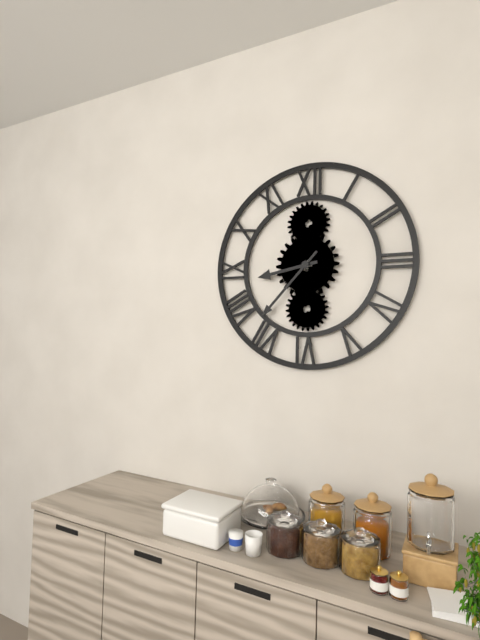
8:37
